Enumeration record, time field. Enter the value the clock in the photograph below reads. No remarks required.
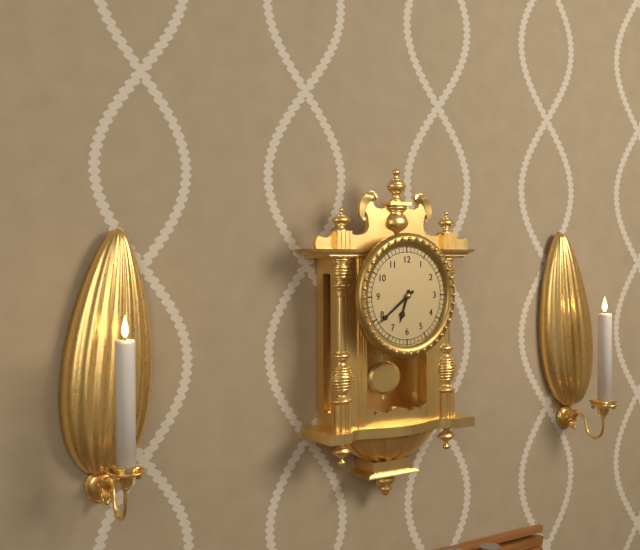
6:39
